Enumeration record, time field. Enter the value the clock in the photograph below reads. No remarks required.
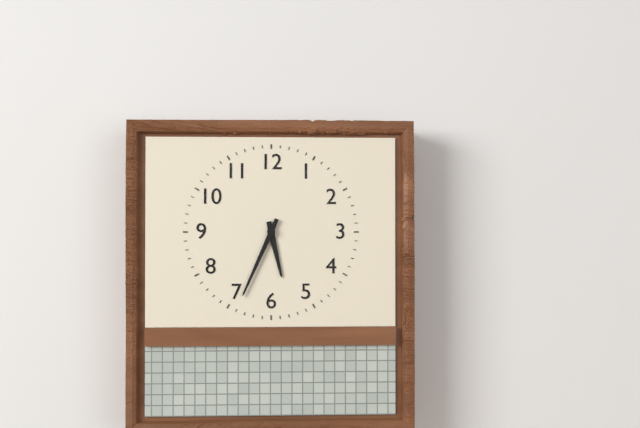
5:34
